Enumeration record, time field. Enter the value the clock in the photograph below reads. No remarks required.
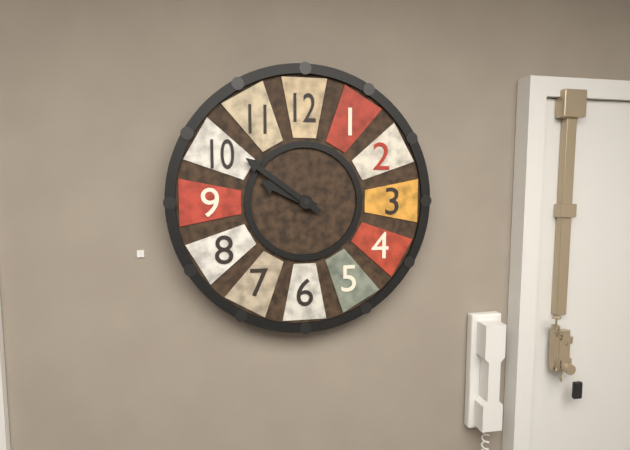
9:51
